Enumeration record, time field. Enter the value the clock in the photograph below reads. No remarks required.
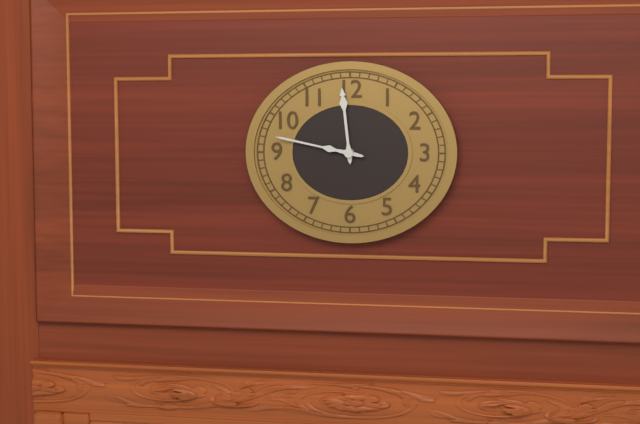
11:47
